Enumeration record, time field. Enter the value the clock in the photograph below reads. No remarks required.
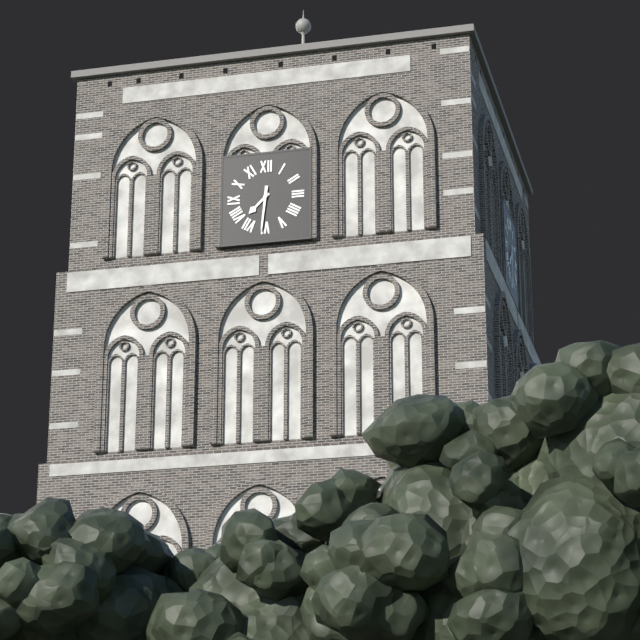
7:31
